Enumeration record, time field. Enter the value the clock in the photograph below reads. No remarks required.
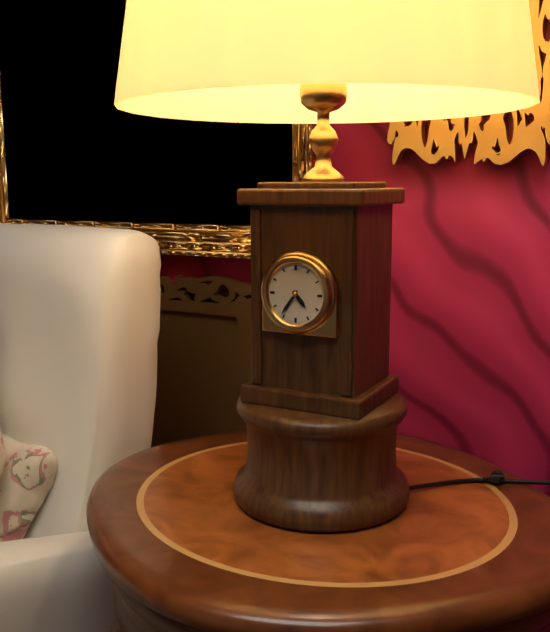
4:36
